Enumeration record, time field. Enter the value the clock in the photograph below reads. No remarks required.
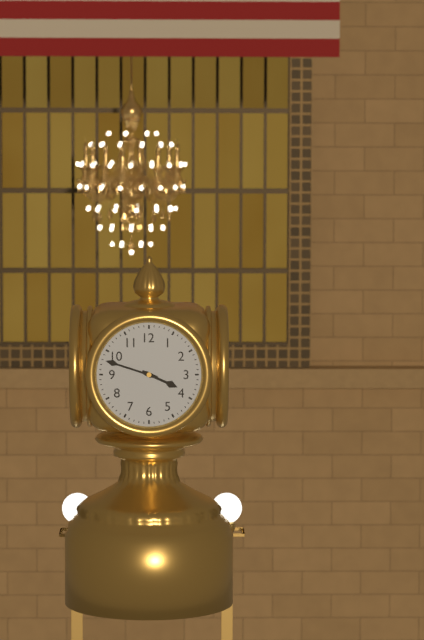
3:48
